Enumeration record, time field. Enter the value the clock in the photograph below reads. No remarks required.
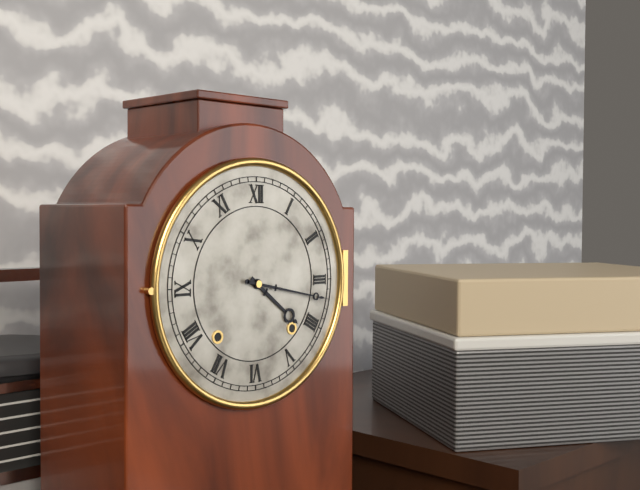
4:17
